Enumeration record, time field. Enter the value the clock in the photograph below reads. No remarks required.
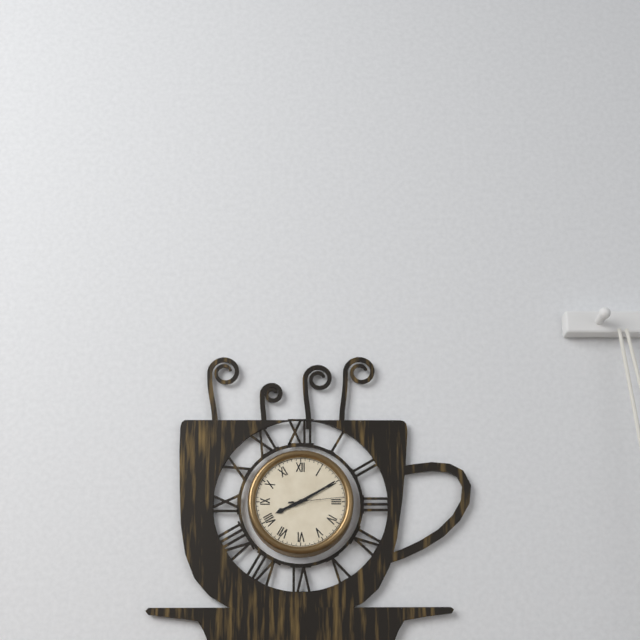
8:10:14
